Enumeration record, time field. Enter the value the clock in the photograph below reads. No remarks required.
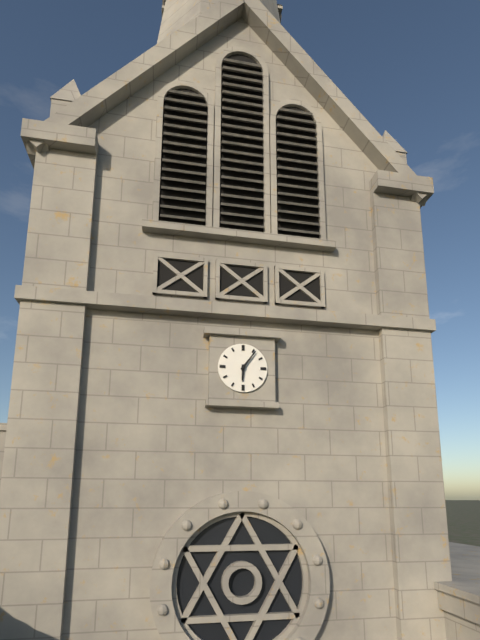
6:06
